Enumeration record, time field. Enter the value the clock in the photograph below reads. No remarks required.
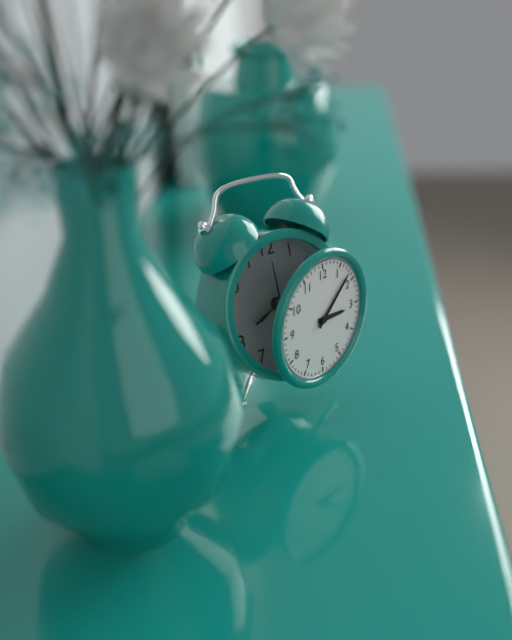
3:08
